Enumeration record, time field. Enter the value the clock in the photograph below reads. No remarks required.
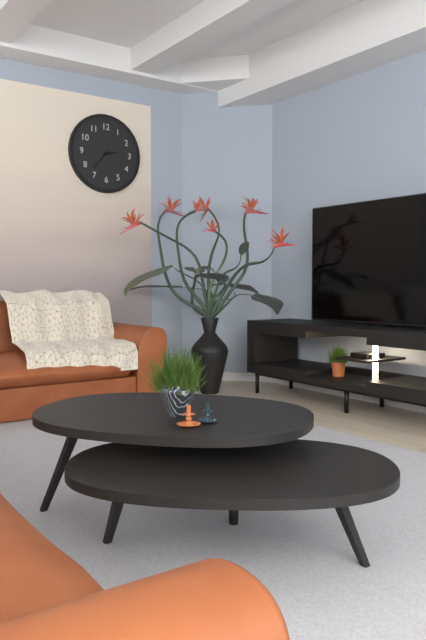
2:37
